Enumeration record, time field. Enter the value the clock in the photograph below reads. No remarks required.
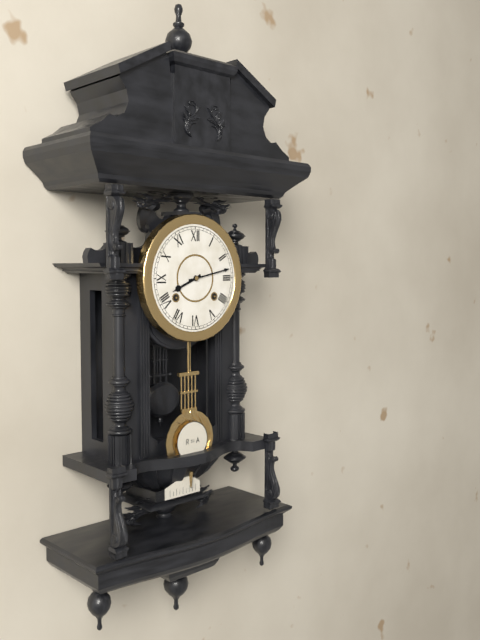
8:13
